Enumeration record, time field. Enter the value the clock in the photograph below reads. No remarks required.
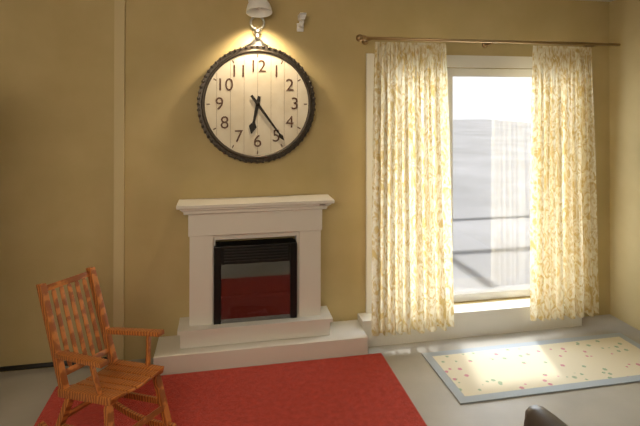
6:24
